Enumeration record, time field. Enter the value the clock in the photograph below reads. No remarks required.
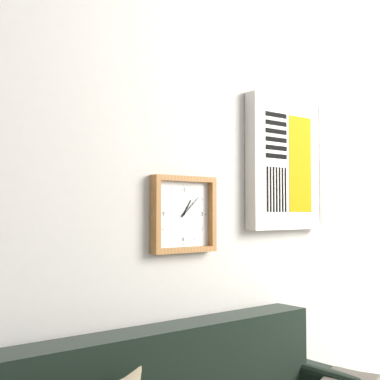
1:08
